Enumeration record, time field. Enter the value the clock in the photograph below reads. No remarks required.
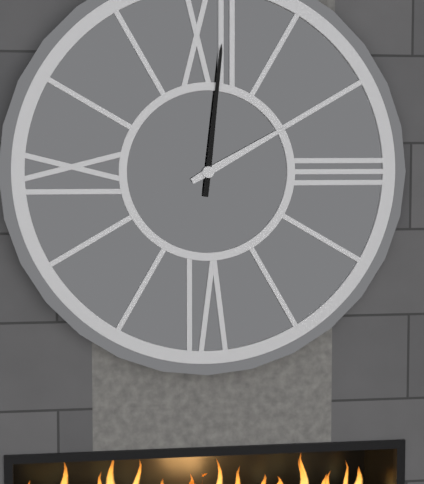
2:01
